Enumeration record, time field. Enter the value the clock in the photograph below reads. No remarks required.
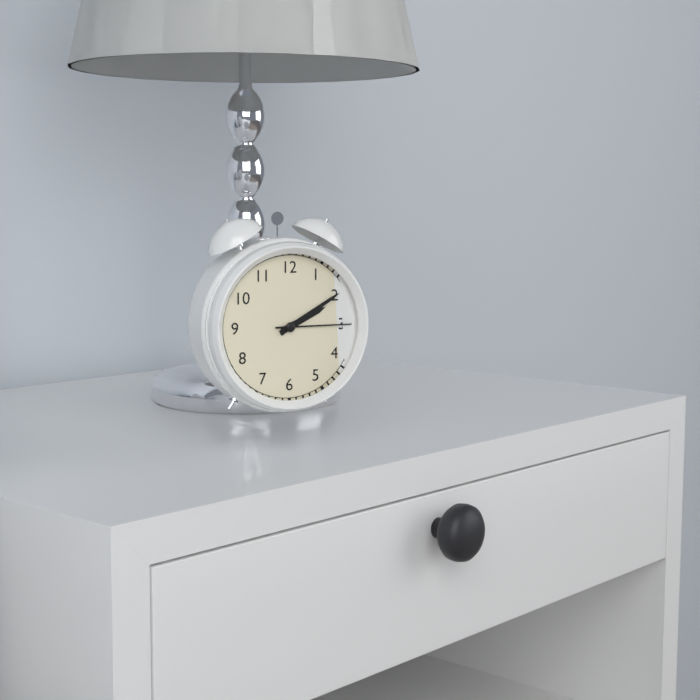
2:10:15
